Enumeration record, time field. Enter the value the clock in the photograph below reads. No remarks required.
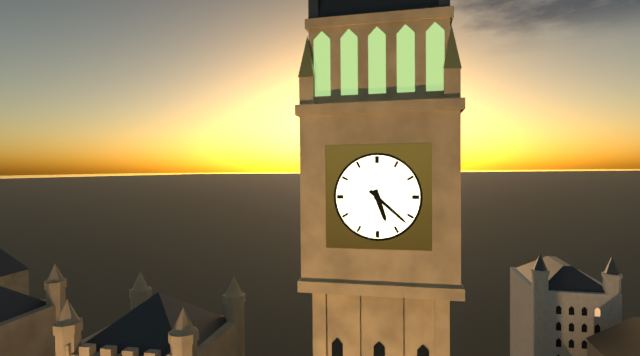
5:22
